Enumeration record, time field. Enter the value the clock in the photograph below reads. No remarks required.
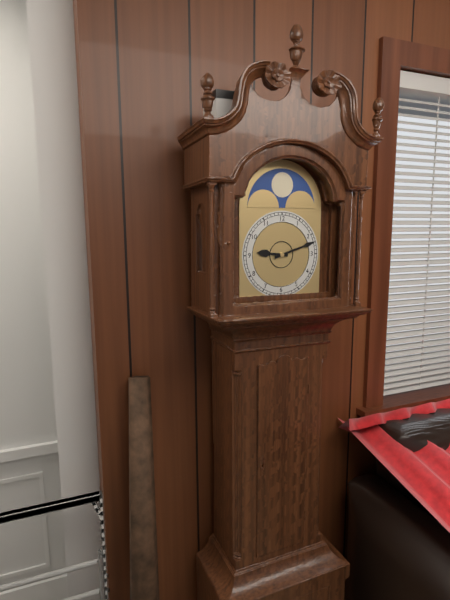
9:12
